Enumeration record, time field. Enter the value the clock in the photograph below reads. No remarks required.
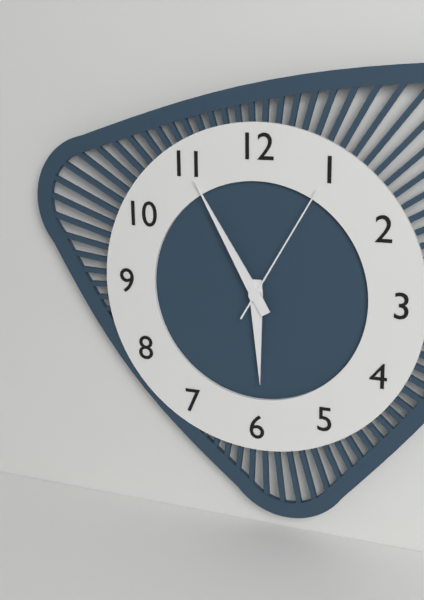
5:55:05
